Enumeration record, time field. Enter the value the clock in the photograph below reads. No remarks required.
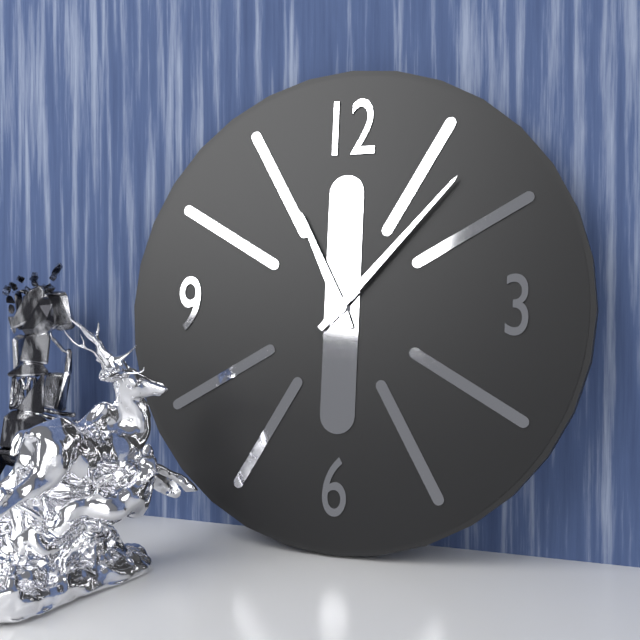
11:07
